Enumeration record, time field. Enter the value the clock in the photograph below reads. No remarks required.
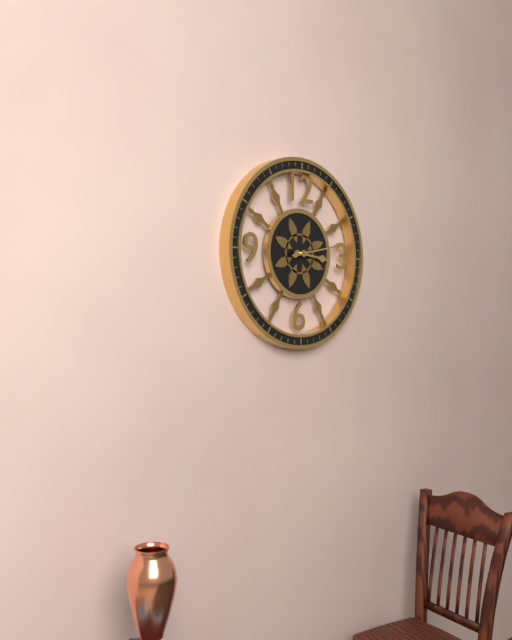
3:13
